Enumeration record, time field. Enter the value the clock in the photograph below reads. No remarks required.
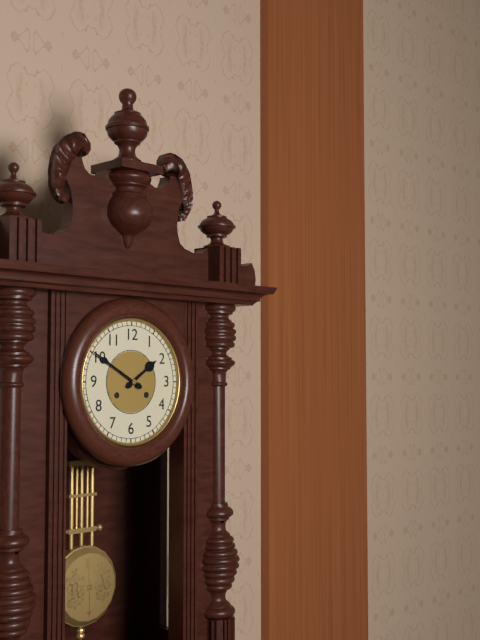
1:50
